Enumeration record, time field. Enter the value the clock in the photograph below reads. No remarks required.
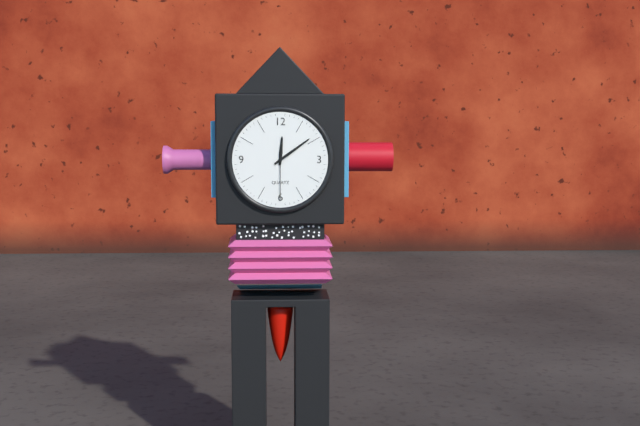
12:09:30
